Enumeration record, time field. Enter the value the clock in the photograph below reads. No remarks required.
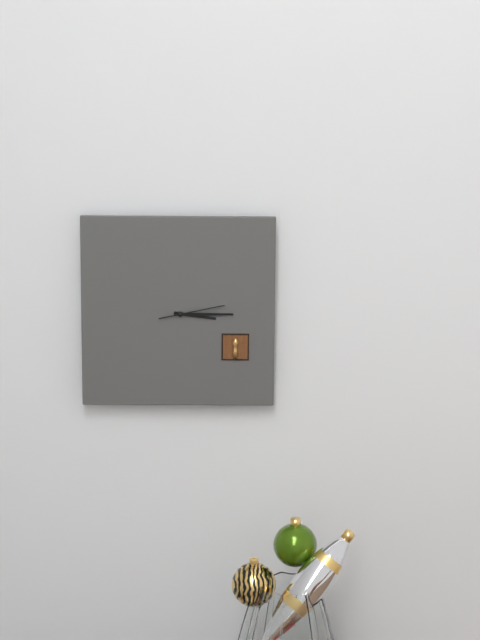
3:15:13
